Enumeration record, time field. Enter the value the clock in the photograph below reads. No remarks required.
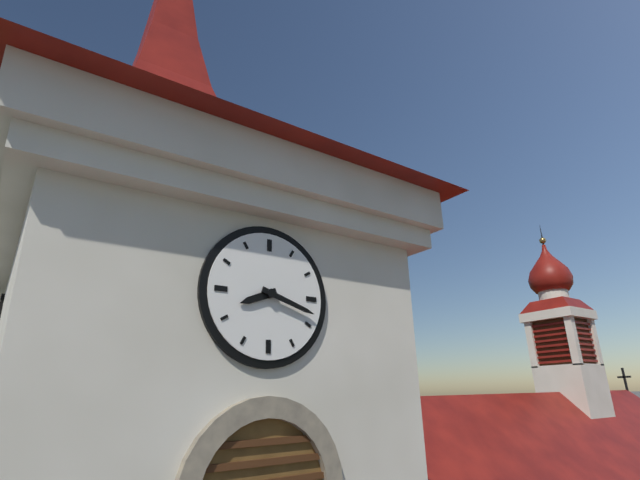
8:18
